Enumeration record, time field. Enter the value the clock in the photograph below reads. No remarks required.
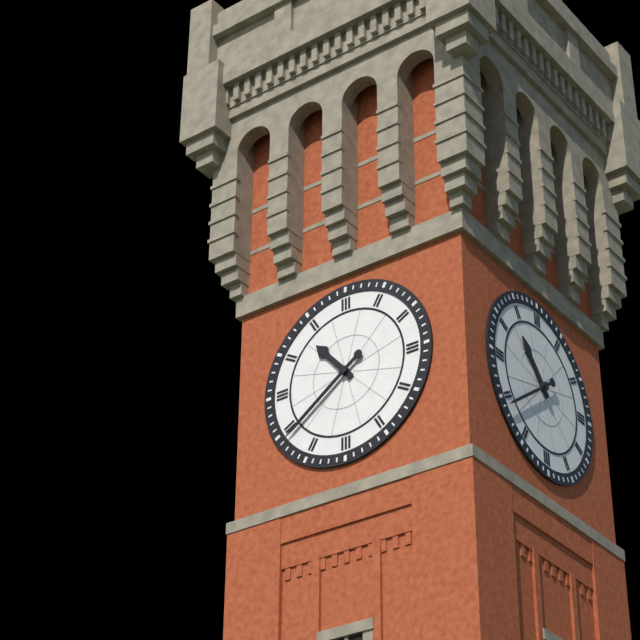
10:39
